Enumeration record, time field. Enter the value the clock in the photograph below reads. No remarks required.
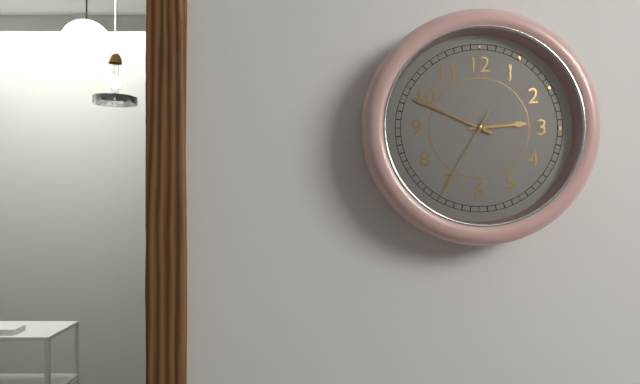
2:49:35
